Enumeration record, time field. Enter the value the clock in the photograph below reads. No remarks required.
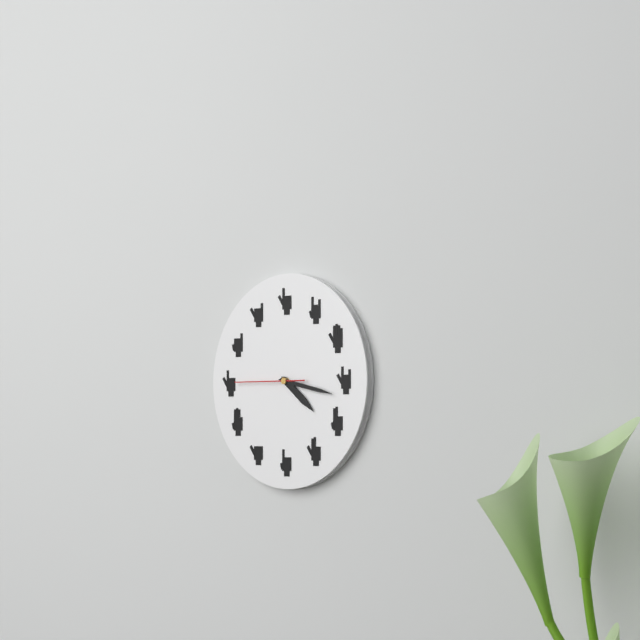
4:17:45
